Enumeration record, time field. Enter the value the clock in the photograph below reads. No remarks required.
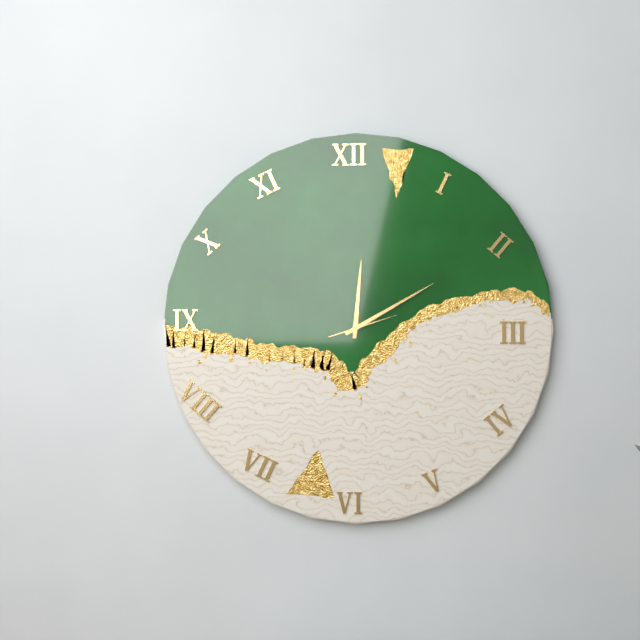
12:10:12
